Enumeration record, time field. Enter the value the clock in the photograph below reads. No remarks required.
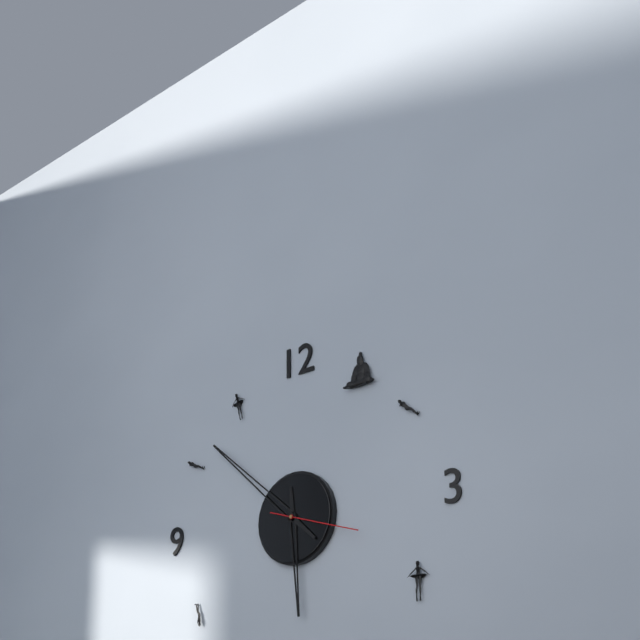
5:52:18
